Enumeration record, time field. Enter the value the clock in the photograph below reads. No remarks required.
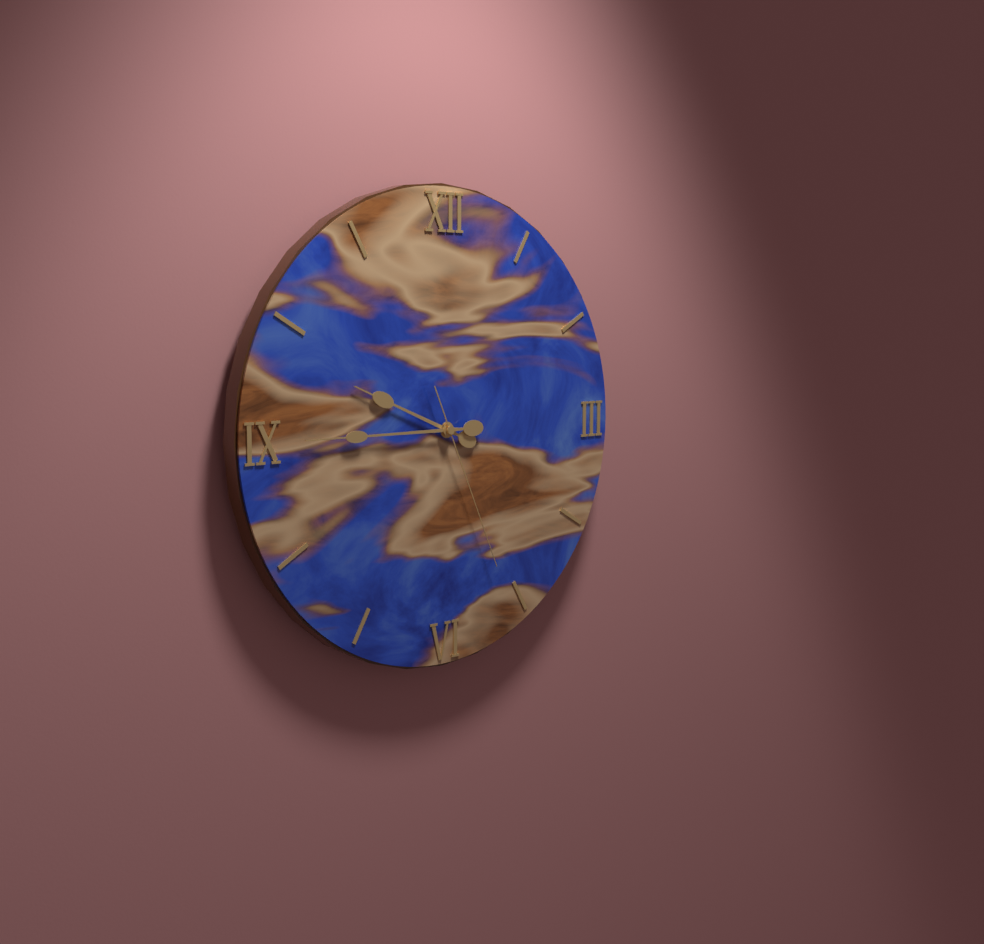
9:45:26
